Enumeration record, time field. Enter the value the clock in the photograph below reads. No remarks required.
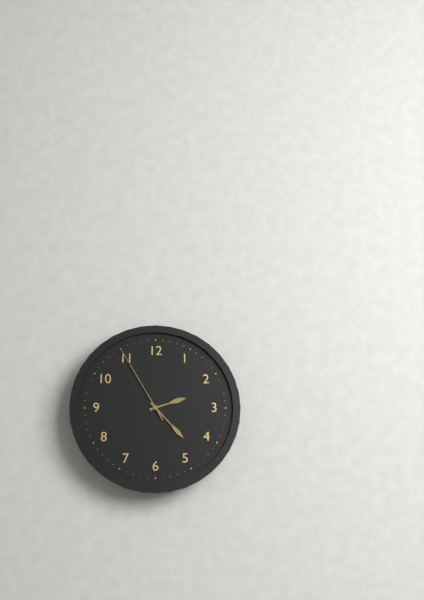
2:23:55
